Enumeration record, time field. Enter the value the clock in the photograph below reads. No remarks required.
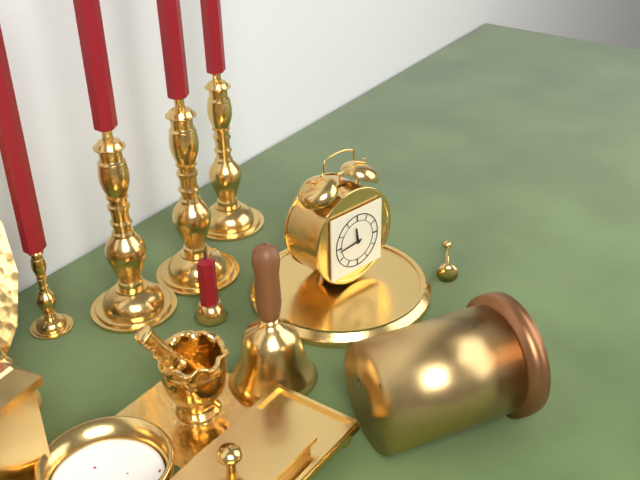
11:44
